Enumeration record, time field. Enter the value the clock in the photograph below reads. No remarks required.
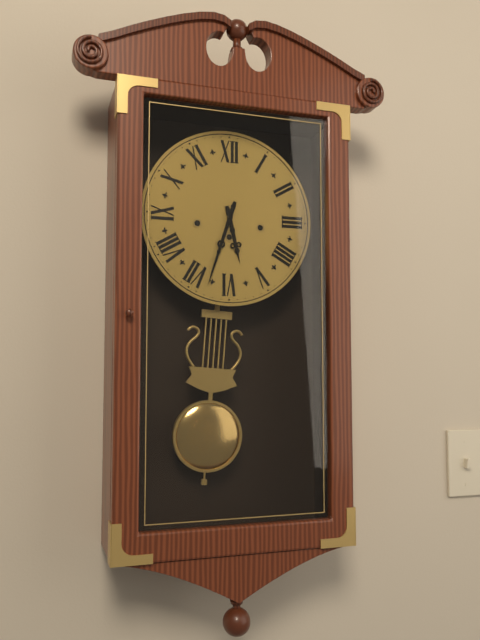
5:33
